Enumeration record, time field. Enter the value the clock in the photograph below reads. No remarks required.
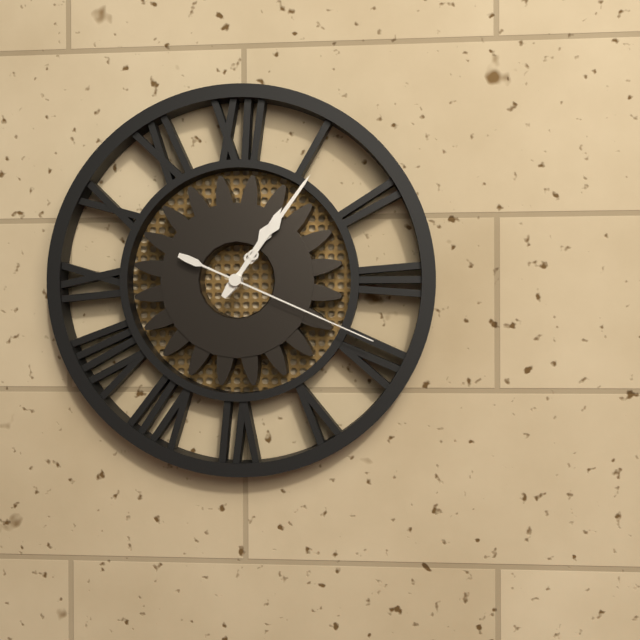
1:06:19
